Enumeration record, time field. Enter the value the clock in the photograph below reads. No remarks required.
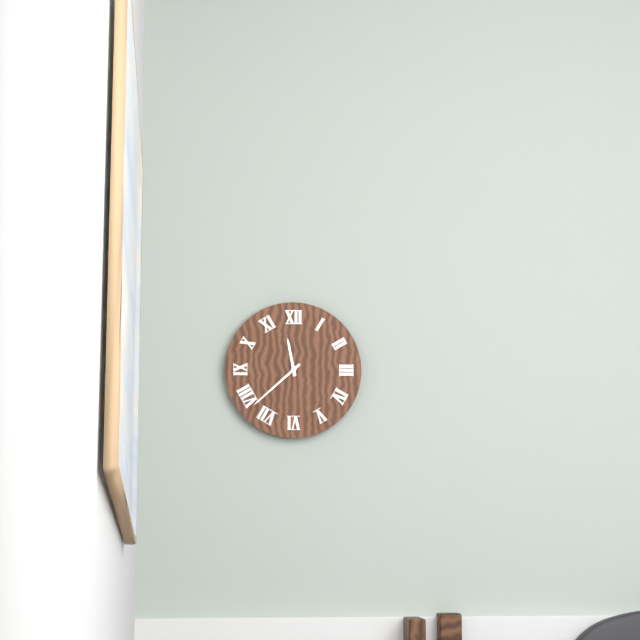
11:38
